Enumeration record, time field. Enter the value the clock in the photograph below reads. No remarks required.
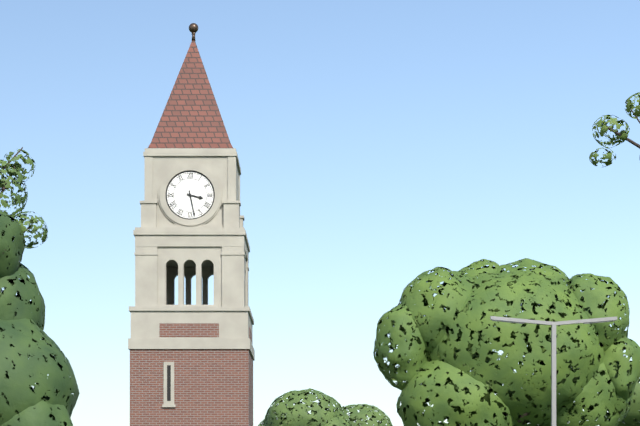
3:28
